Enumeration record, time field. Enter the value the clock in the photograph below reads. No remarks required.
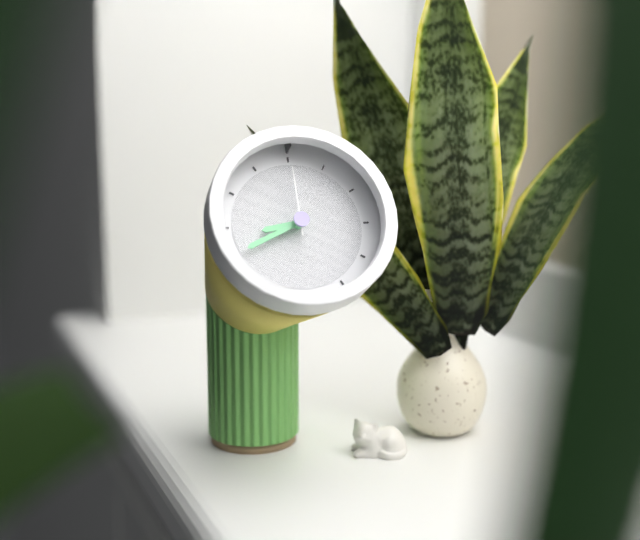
8:41:00
